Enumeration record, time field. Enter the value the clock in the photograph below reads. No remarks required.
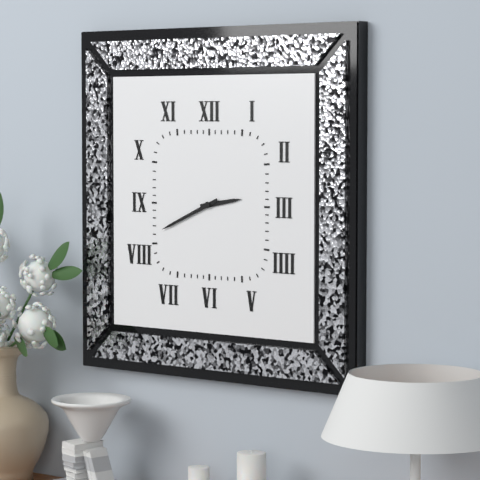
2:41
